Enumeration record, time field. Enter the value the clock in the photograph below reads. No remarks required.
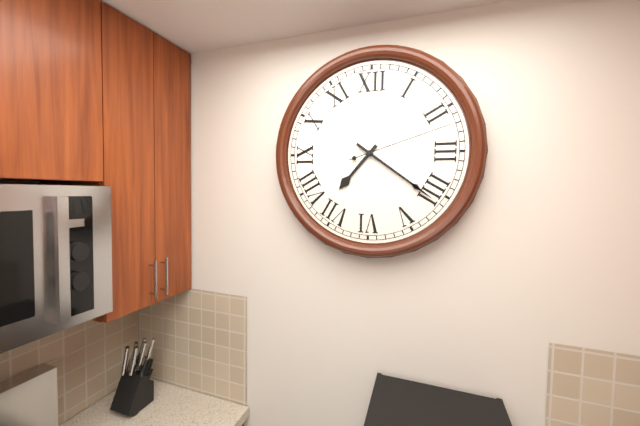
7:21:12
